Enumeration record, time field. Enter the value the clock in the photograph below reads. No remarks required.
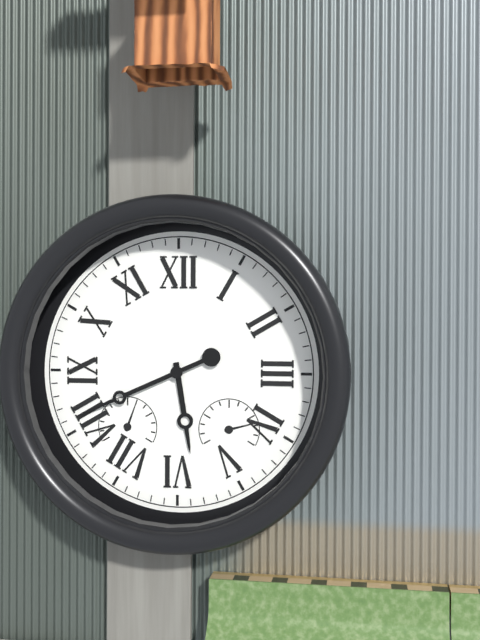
5:41
